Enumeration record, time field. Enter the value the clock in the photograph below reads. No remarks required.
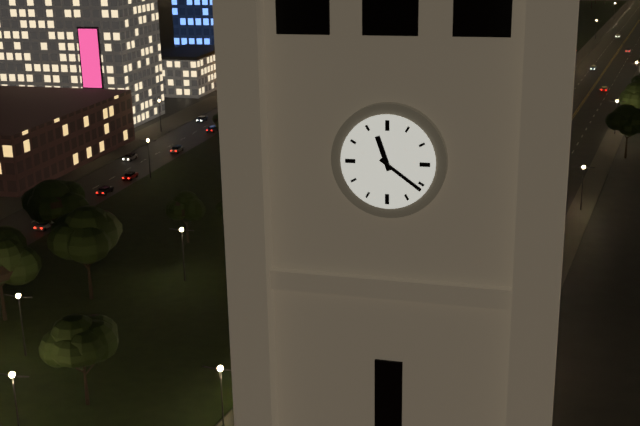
11:21
